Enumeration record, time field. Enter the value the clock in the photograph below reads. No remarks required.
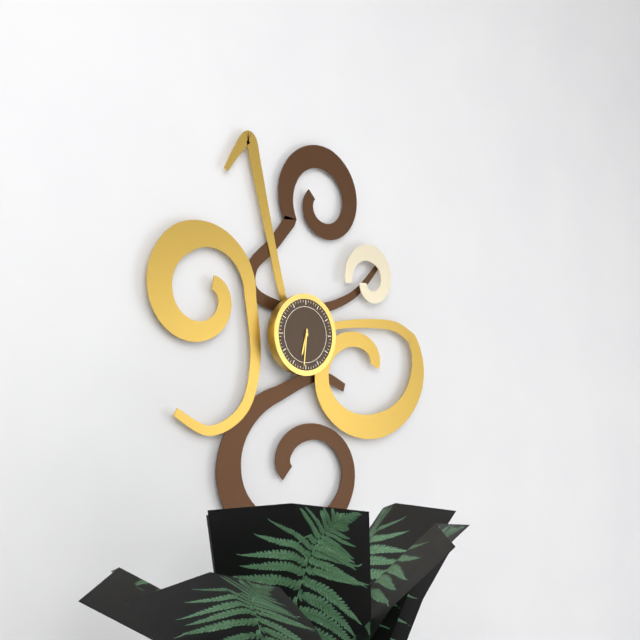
6:31
